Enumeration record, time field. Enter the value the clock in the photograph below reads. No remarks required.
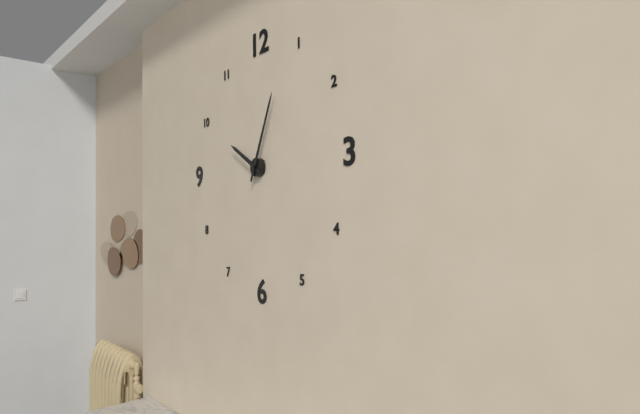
10:04
